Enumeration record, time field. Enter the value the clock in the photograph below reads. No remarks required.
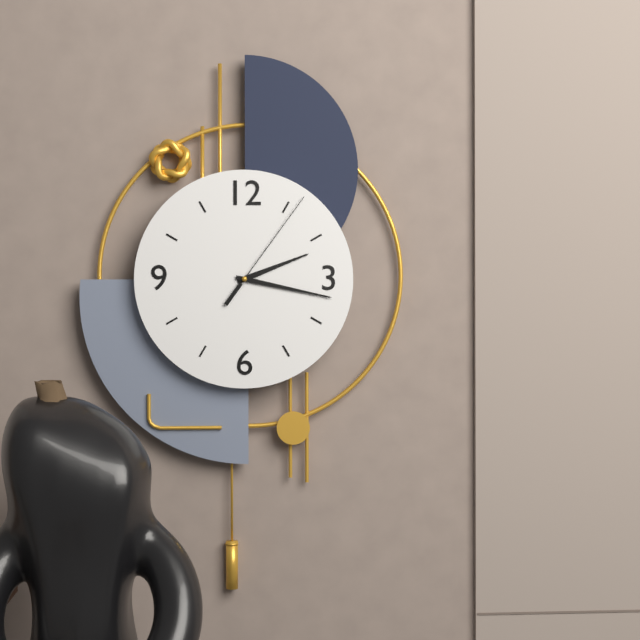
2:17:06
